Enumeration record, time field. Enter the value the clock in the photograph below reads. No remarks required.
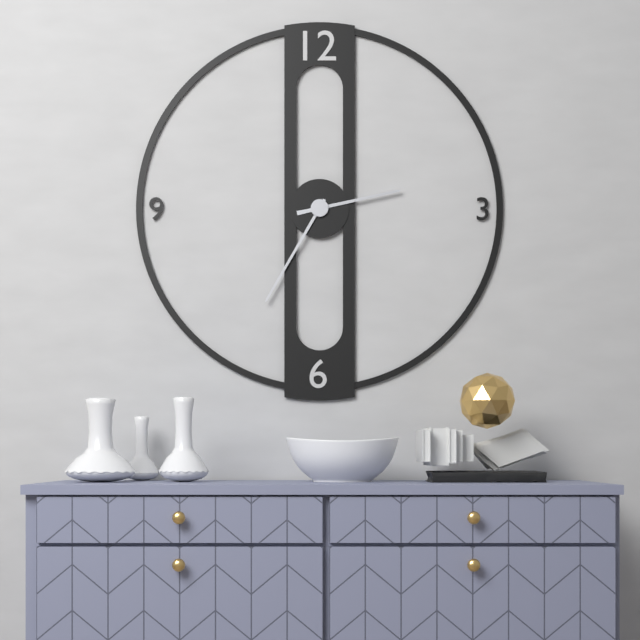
2:35
